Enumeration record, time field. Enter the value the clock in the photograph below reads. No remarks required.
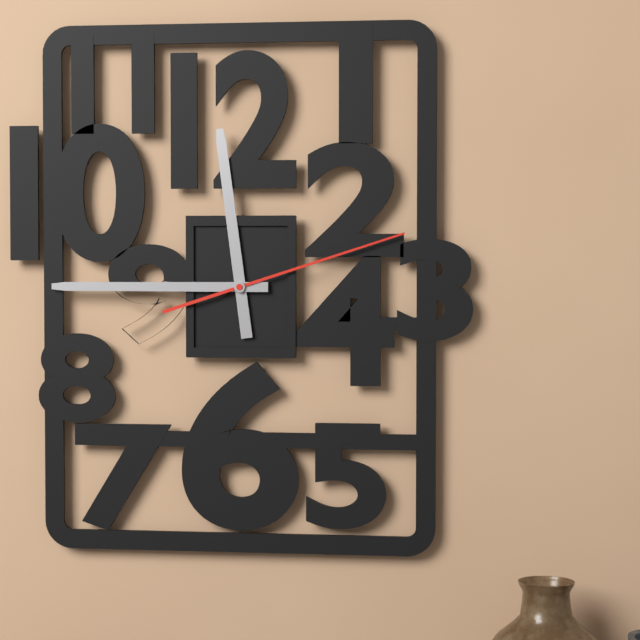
11:45:12
